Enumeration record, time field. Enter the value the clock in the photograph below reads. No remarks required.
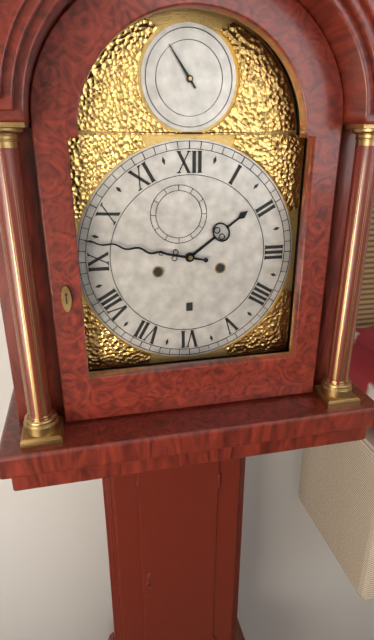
1:47
